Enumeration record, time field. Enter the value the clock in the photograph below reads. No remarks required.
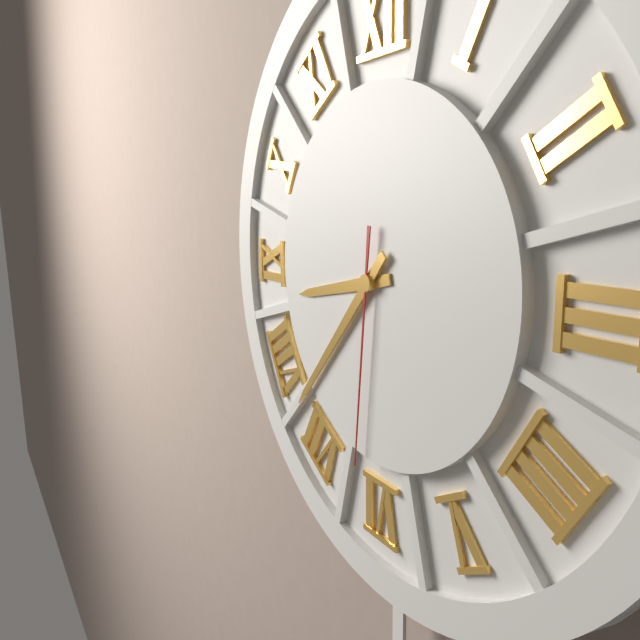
8:37:31
